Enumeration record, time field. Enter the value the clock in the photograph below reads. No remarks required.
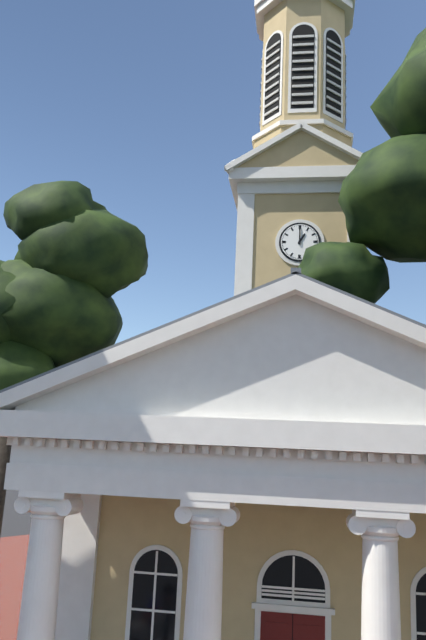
1:00
